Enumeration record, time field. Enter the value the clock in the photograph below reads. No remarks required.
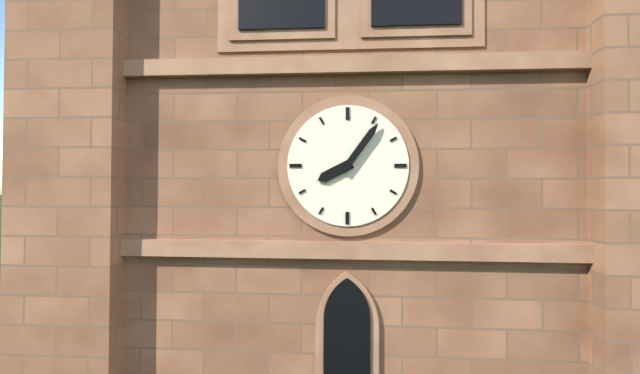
8:06
